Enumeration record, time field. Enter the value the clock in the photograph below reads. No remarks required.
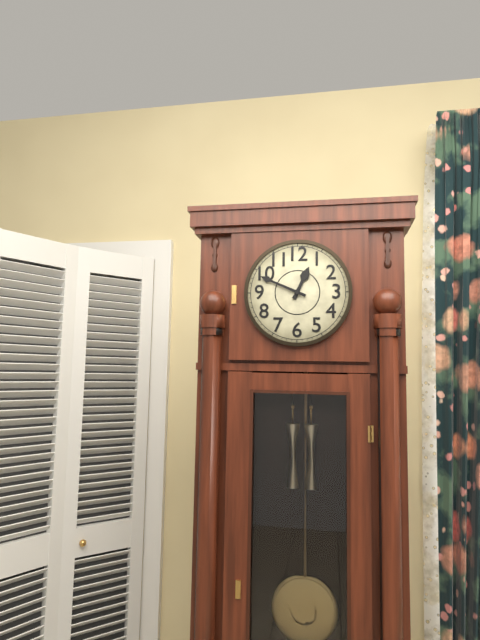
12:49
